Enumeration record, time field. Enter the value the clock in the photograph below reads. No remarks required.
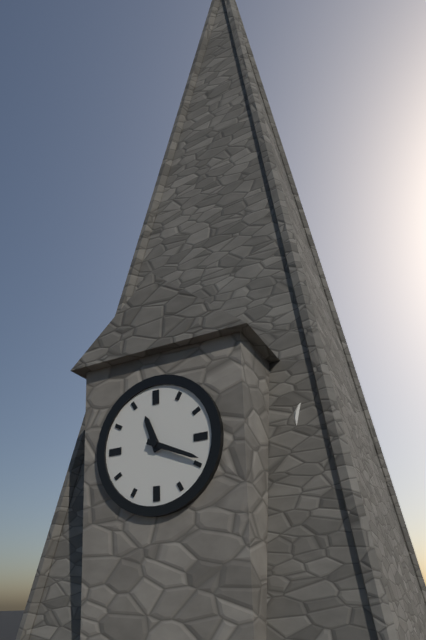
11:19
